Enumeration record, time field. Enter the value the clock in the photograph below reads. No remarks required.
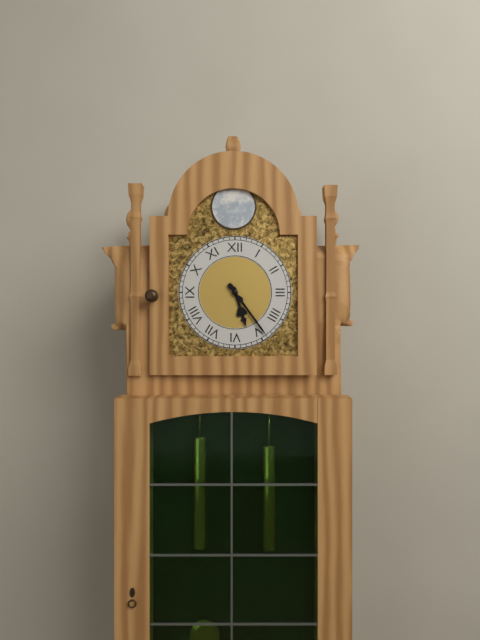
5:24
